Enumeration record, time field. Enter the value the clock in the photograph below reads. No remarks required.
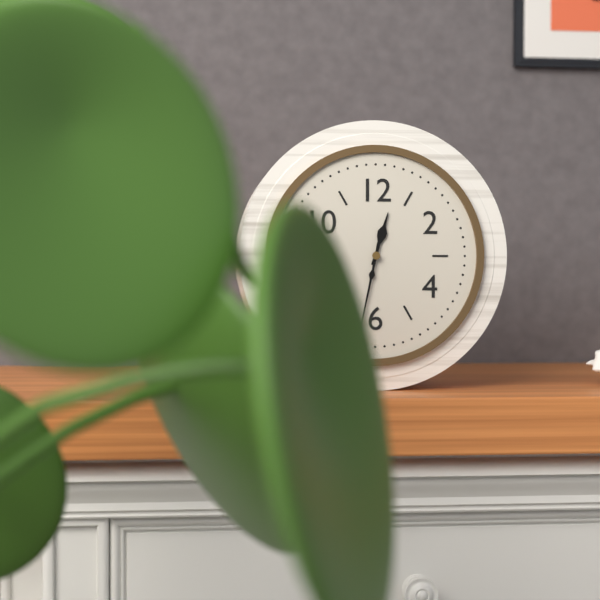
12:32
